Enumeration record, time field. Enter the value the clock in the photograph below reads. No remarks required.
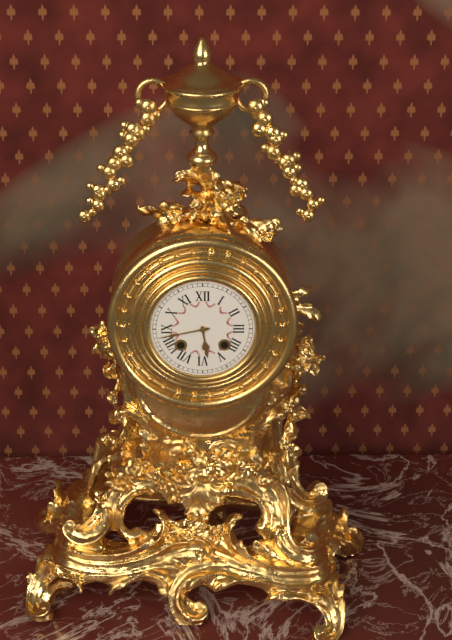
5:43
